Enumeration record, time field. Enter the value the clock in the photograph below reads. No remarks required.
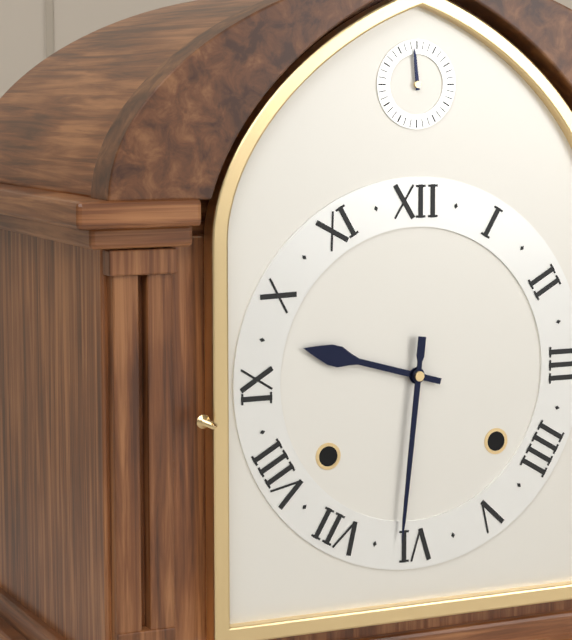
9:31
